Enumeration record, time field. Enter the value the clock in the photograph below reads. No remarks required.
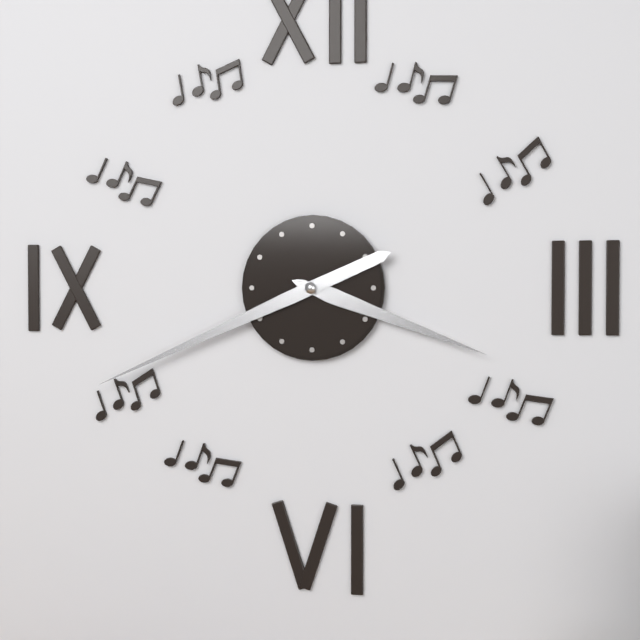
3:41
